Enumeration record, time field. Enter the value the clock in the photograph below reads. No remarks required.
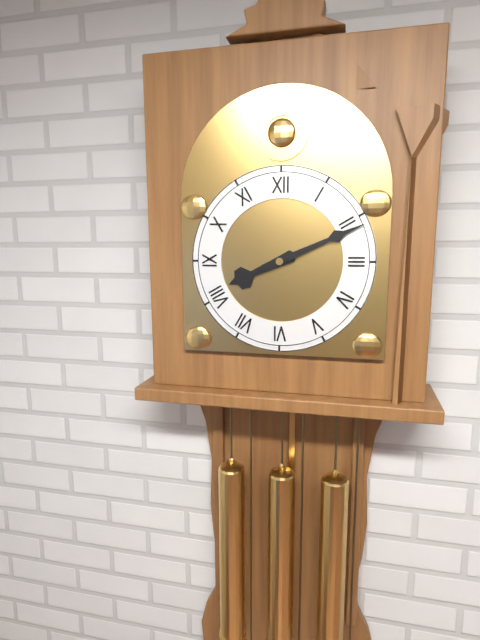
8:11
